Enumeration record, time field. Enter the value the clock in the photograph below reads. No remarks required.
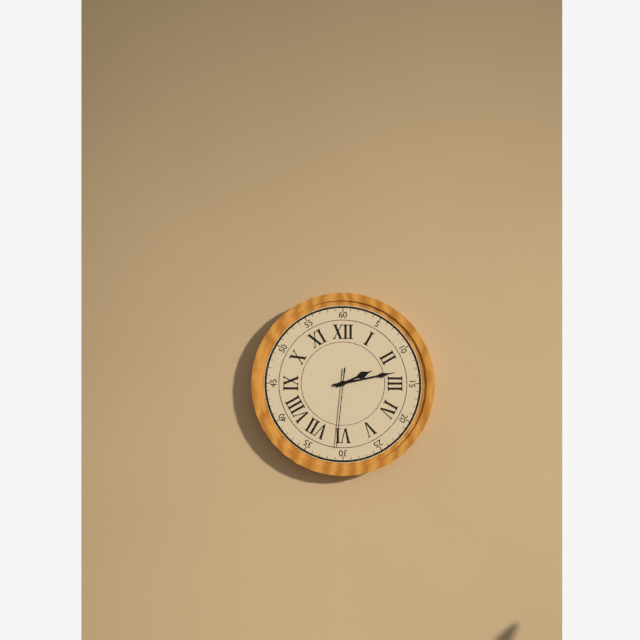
2:13:31
